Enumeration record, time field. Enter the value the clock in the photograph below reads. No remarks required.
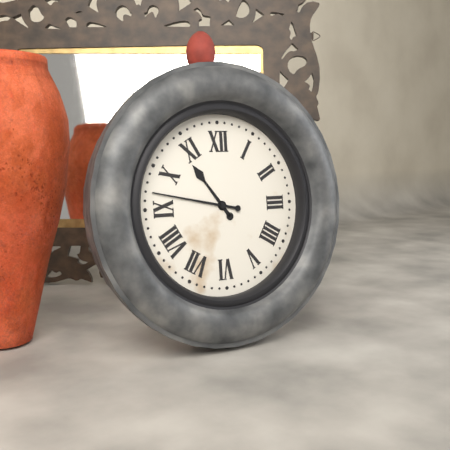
10:47
